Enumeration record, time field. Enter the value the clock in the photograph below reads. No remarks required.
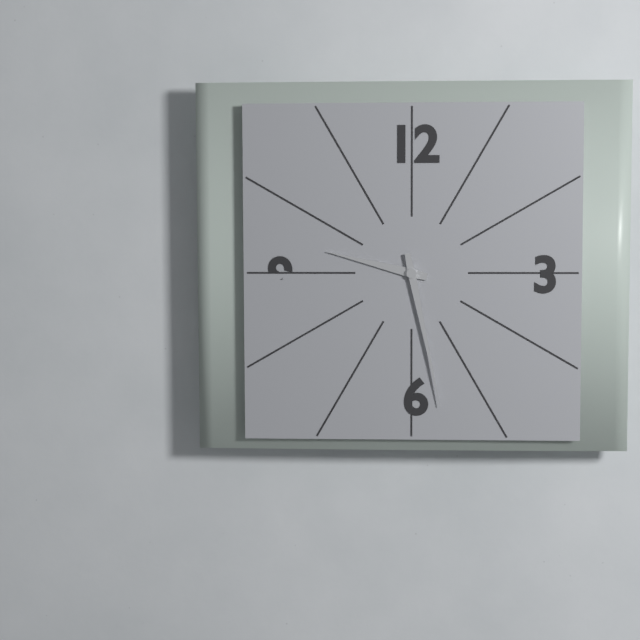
9:28
